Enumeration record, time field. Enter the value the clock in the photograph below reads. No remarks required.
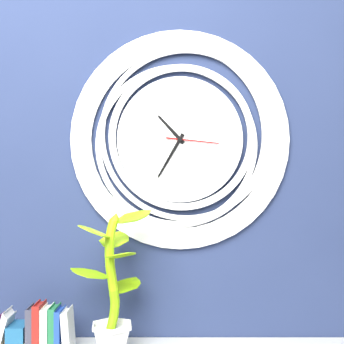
10:35:16
